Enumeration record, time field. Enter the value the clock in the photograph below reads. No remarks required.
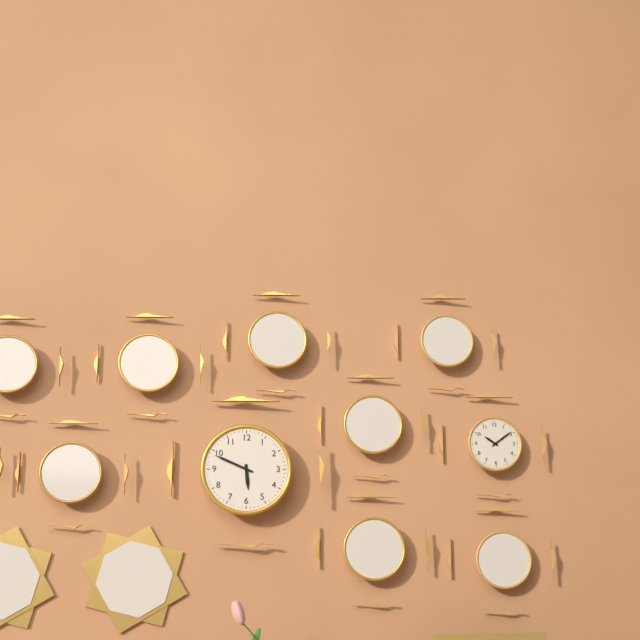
5:49
